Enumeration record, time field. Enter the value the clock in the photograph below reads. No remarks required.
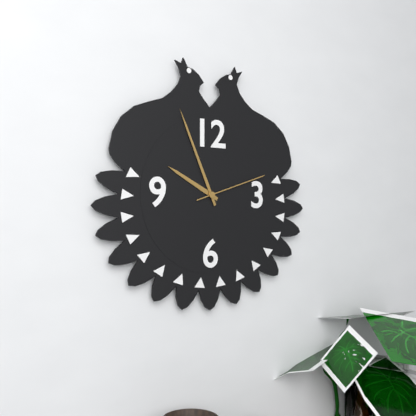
9:56:12
